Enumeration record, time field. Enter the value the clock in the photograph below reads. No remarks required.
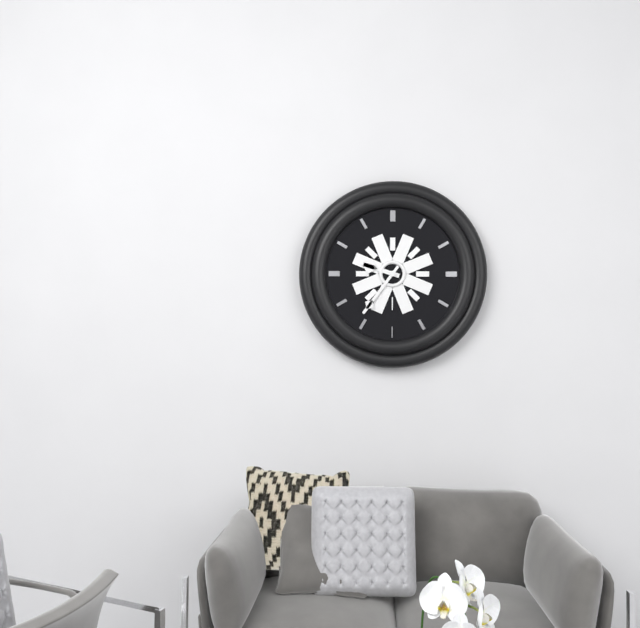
9:36
